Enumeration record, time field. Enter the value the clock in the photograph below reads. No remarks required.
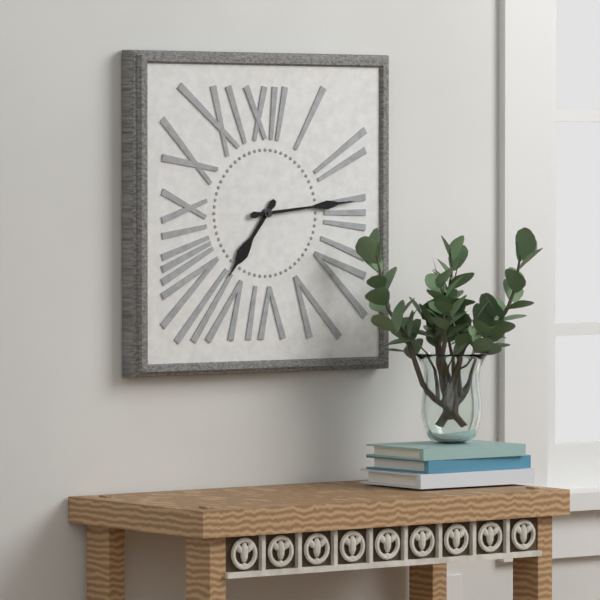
7:14
